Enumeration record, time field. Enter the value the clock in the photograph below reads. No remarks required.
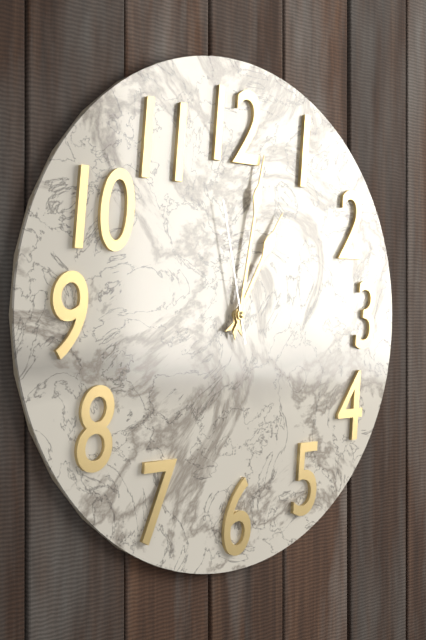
1:02:58
